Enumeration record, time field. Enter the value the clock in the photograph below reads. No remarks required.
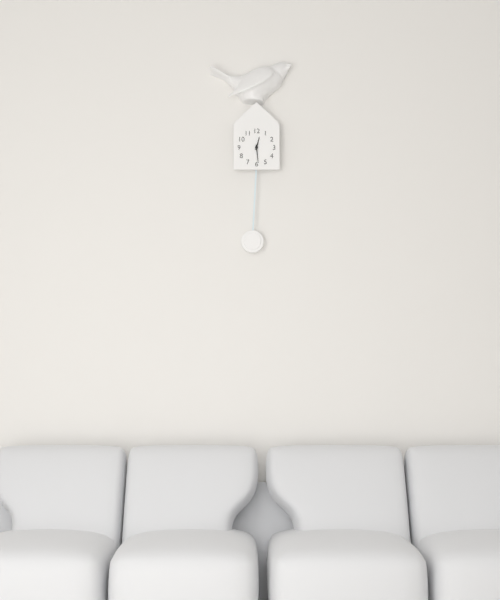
12:29
